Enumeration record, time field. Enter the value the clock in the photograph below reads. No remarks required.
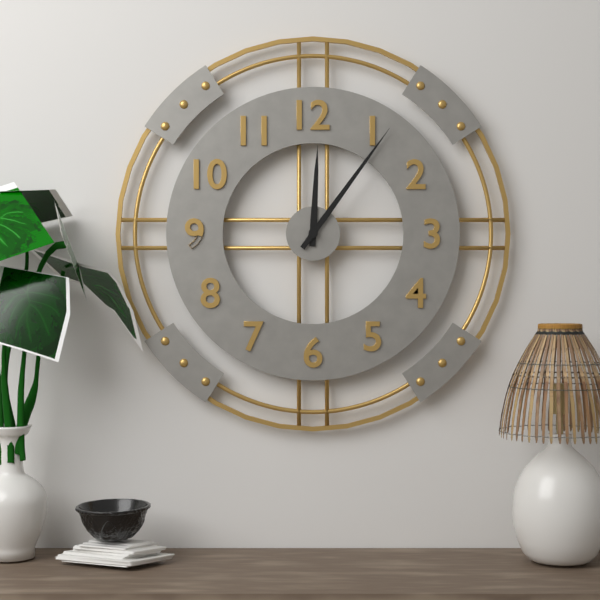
12:06
